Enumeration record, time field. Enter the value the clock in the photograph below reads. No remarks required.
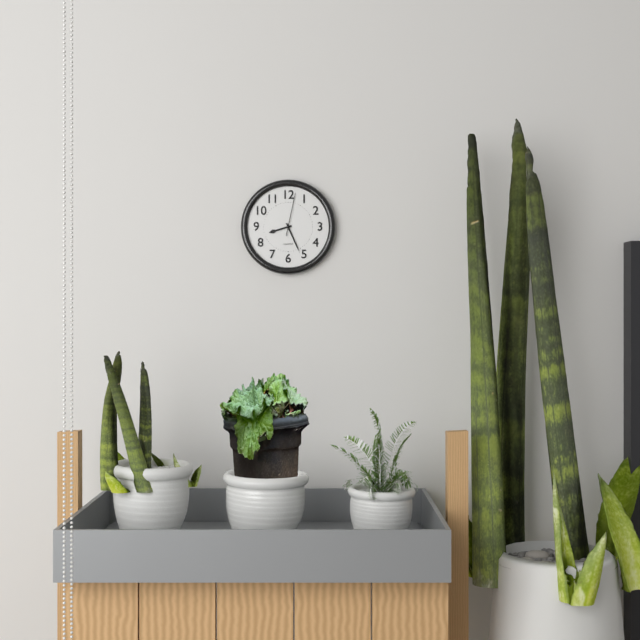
8:26
